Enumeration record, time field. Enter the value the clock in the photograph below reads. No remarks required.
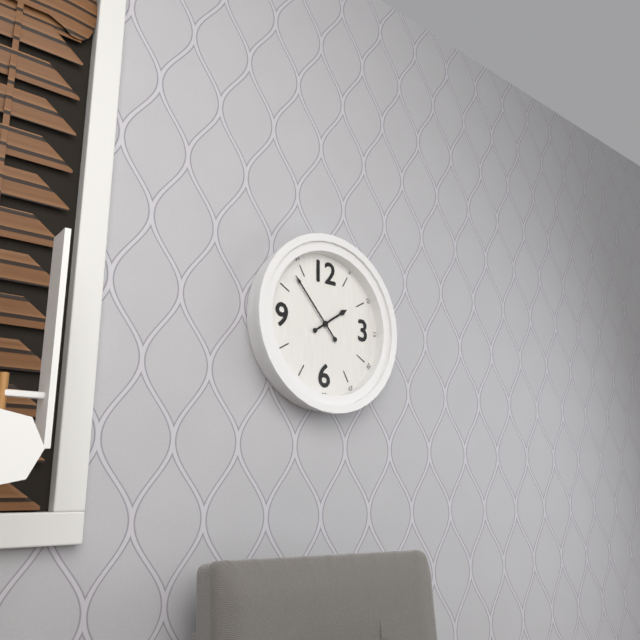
1:53
